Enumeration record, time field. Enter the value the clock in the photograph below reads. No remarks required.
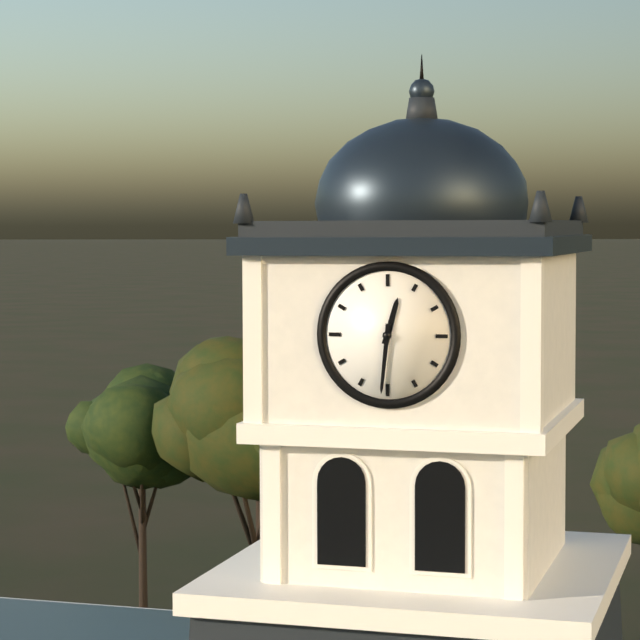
12:31
